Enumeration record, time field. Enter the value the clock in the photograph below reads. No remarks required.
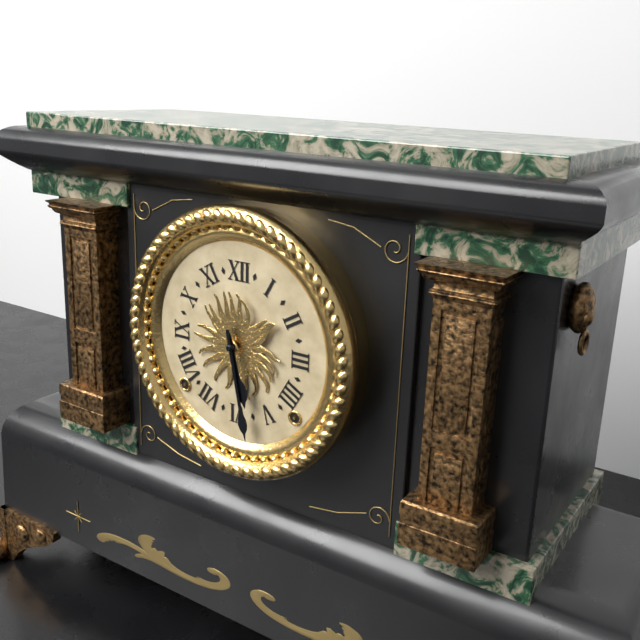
5:28
